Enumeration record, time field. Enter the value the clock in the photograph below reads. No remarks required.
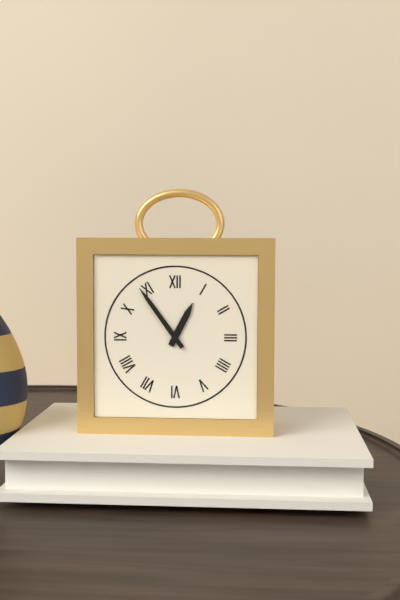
12:54
